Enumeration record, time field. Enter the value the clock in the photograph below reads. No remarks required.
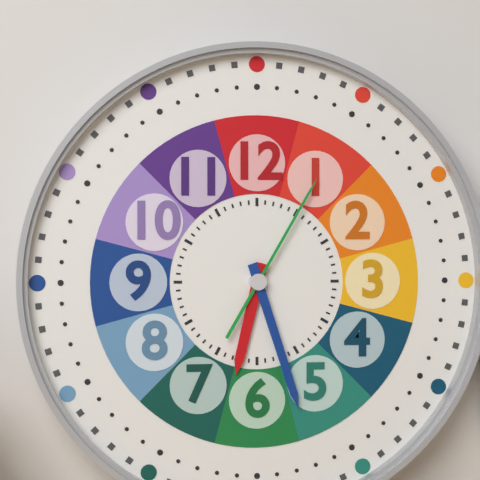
6:27:05
